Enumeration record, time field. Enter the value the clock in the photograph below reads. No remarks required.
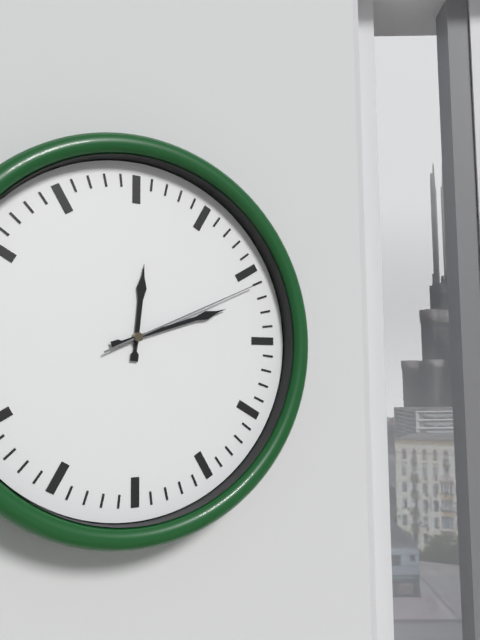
12:12:11
